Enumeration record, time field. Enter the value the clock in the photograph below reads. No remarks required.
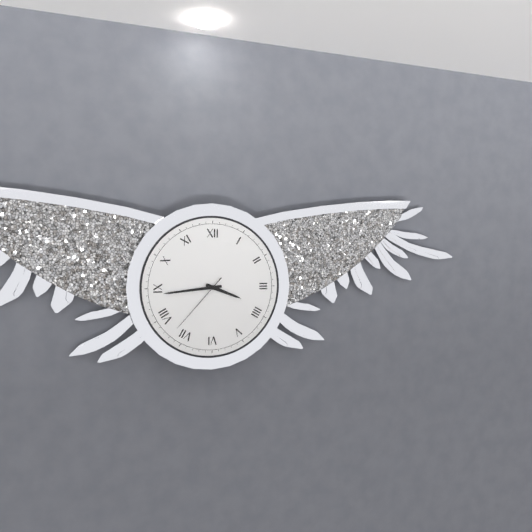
3:44:37
